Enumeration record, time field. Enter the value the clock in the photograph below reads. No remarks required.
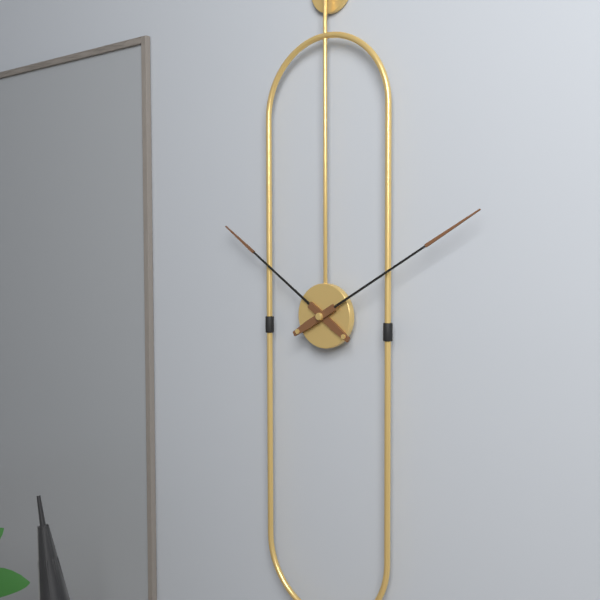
10:10
